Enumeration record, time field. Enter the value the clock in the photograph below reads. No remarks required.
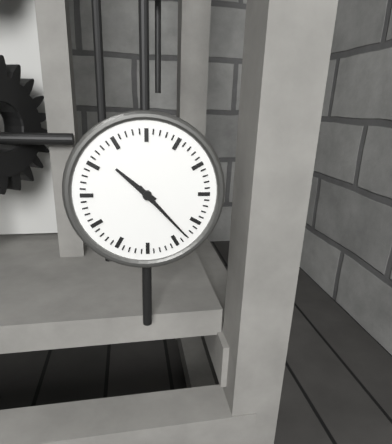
10:23
